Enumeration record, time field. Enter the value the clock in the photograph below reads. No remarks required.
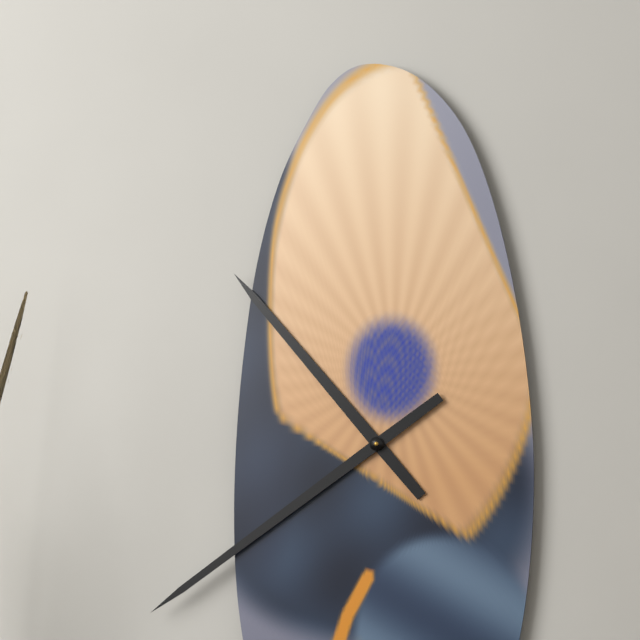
10:39
